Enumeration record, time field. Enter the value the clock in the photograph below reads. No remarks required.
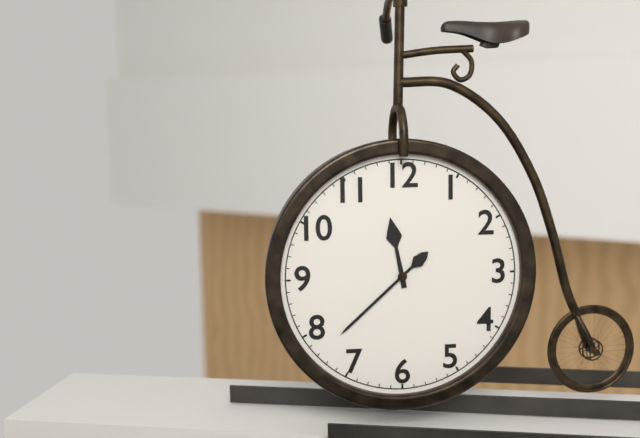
11:38
